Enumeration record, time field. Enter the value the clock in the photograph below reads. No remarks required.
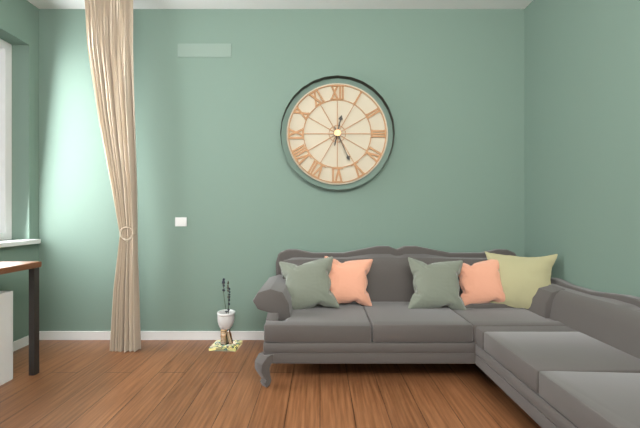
12:26
